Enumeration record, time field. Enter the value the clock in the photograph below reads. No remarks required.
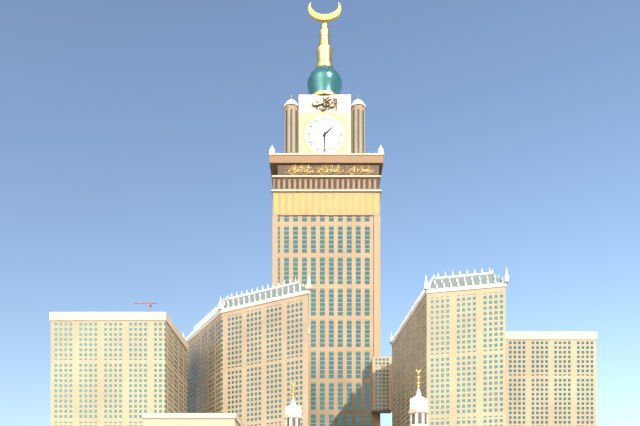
1:30
